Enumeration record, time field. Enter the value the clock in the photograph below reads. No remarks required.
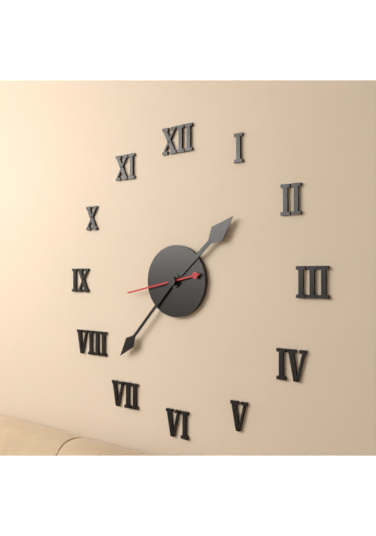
1:37:43
